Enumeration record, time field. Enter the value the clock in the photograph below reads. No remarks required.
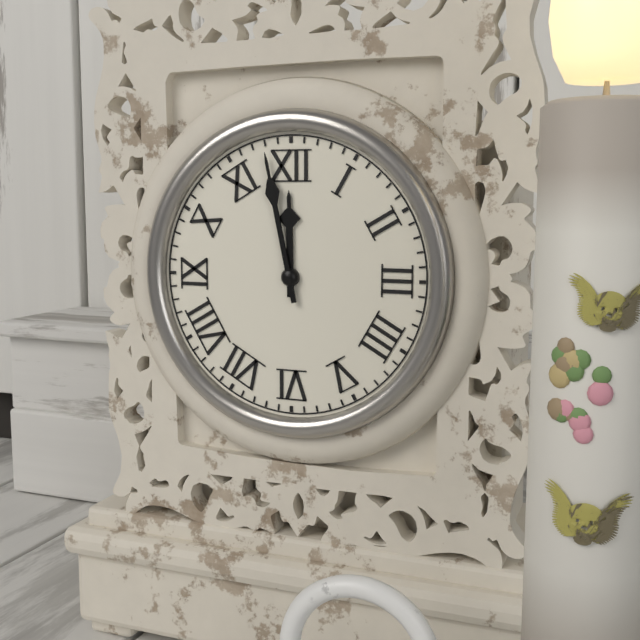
11:58
